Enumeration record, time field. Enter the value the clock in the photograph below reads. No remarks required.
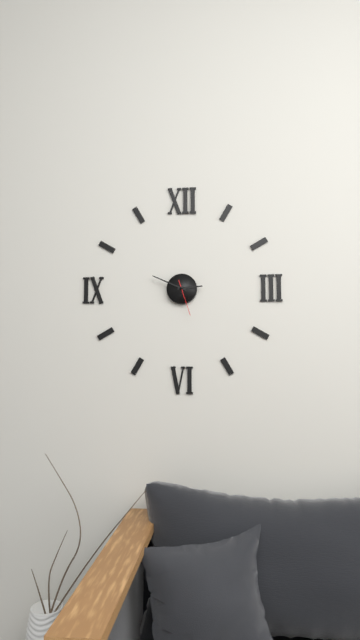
2:49
